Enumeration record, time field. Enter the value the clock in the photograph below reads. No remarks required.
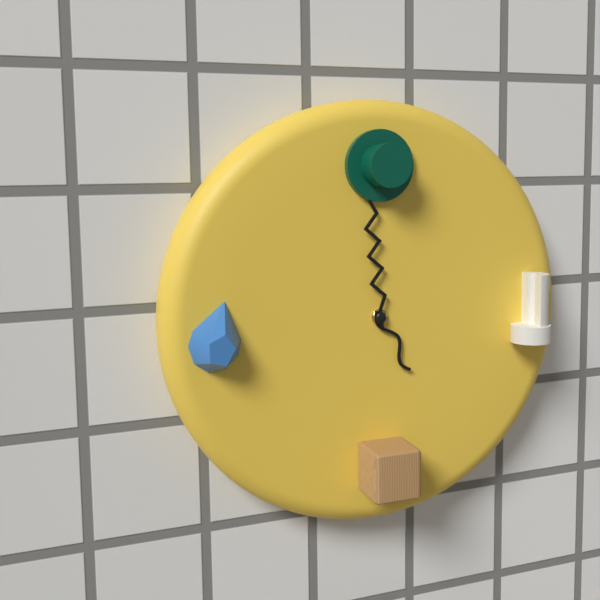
4:59
